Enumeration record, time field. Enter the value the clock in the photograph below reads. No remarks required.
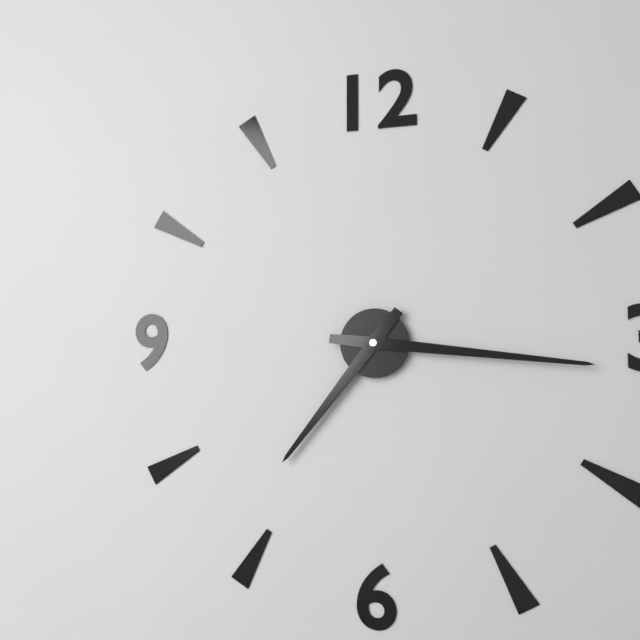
7:16
